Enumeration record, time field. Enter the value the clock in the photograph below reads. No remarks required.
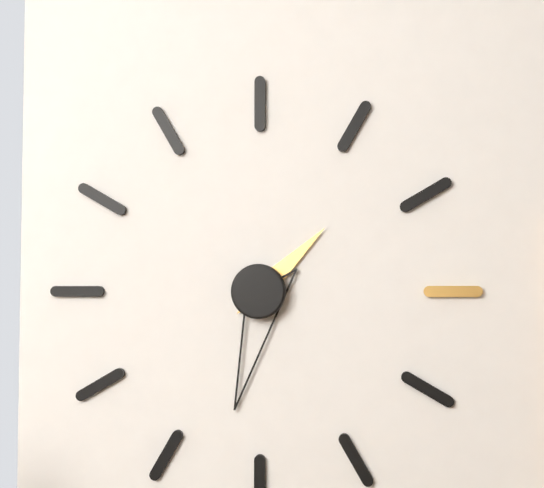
1:32
